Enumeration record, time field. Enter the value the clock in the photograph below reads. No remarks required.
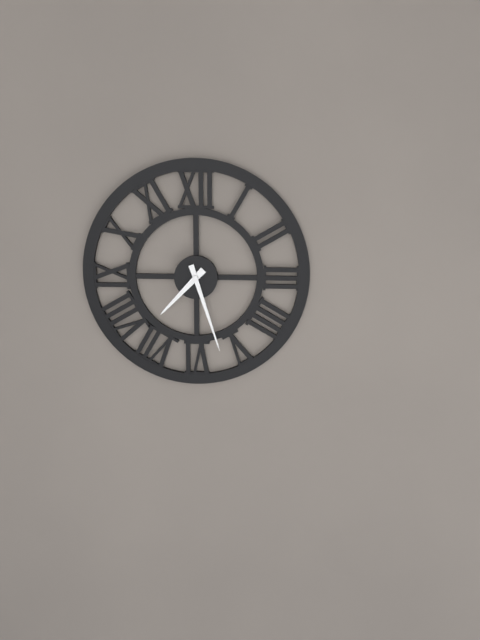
7:27
